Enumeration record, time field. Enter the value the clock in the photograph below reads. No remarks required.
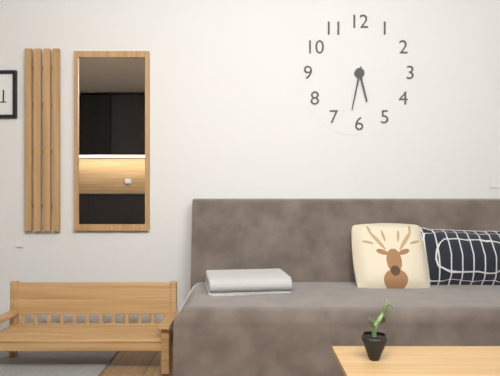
5:32
